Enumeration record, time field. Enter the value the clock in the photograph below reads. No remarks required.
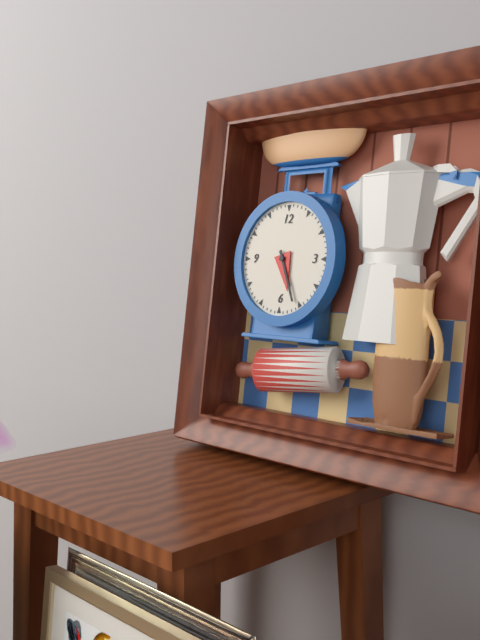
5:26
